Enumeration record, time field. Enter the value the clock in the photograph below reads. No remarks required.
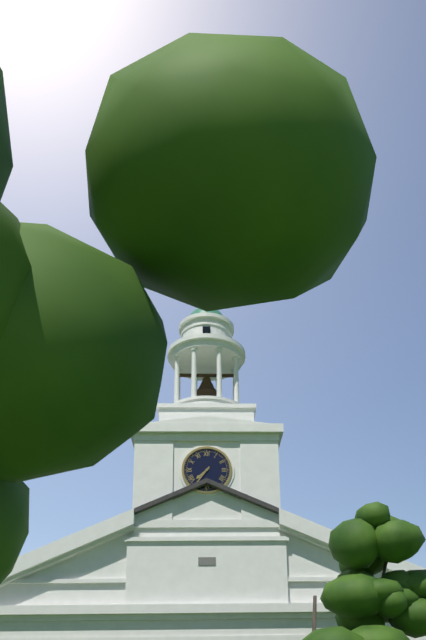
7:36
